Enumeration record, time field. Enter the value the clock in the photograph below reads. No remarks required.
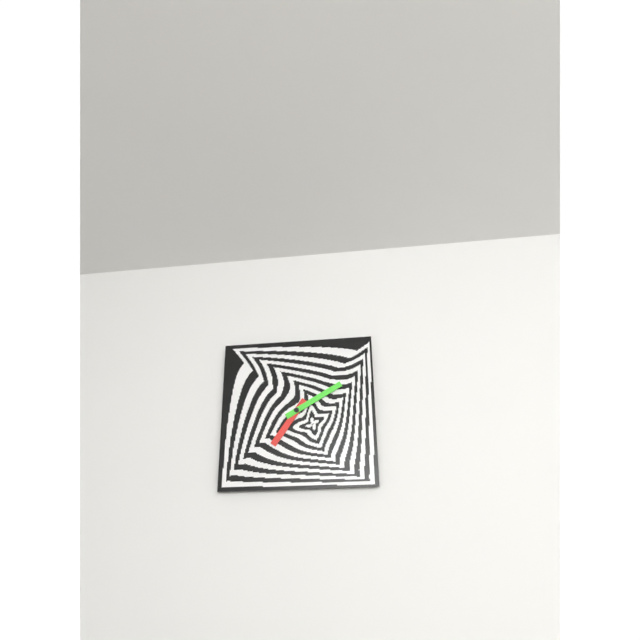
7:10
